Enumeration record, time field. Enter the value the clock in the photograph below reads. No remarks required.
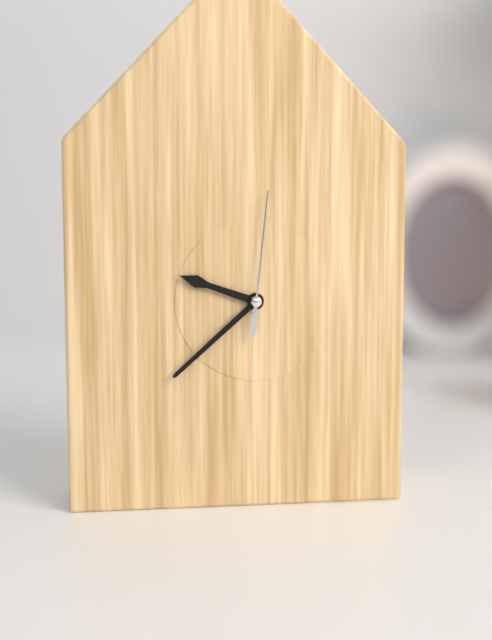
9:38:01
